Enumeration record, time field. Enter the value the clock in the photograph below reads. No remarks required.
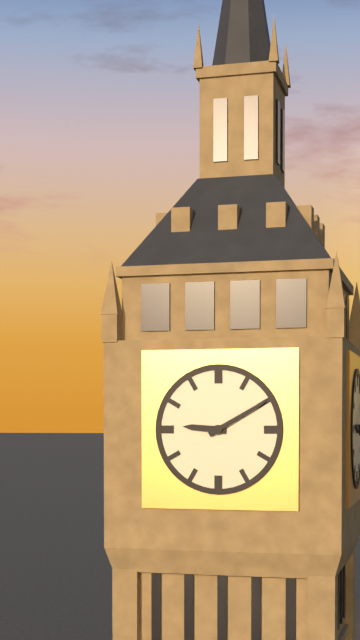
9:10
